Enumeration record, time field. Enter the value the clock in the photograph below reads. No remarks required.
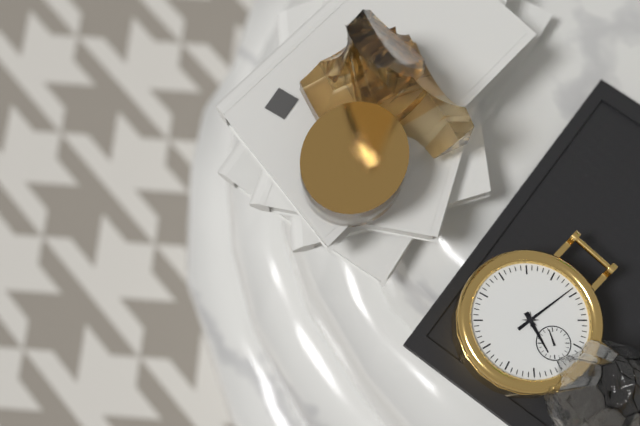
5:09
